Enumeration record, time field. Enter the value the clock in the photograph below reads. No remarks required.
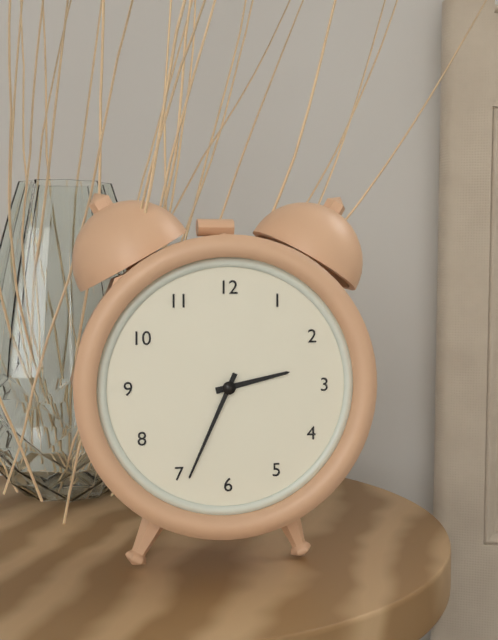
2:34
